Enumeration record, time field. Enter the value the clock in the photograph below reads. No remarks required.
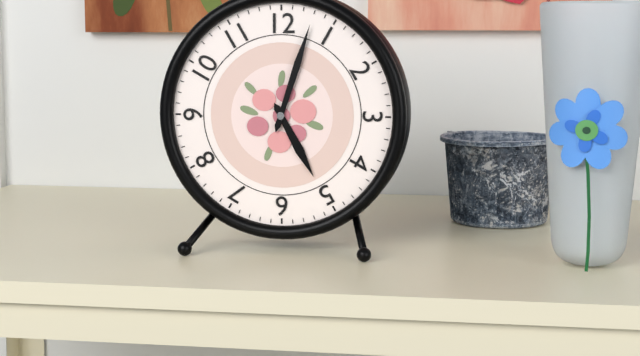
5:03
